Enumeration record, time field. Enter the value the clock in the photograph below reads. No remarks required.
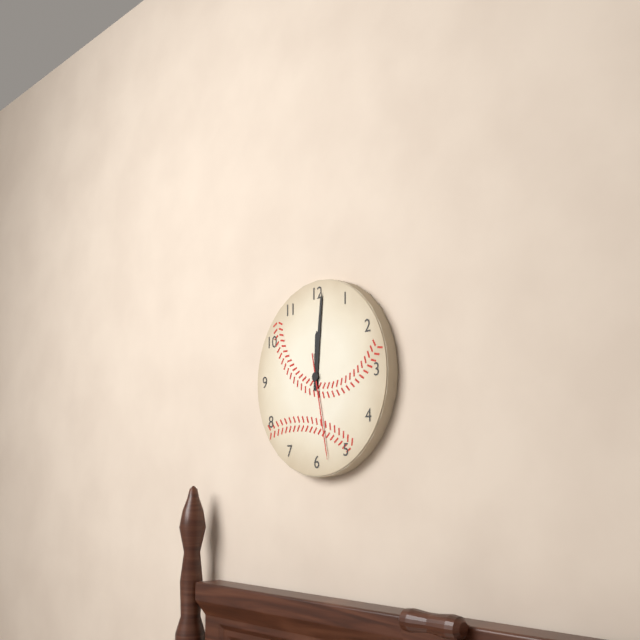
12:01:28
